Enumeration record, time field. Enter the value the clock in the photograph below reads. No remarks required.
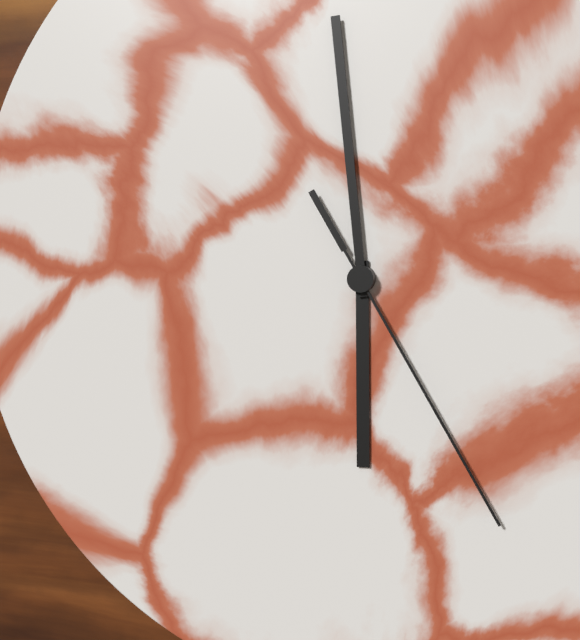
5:59:25
